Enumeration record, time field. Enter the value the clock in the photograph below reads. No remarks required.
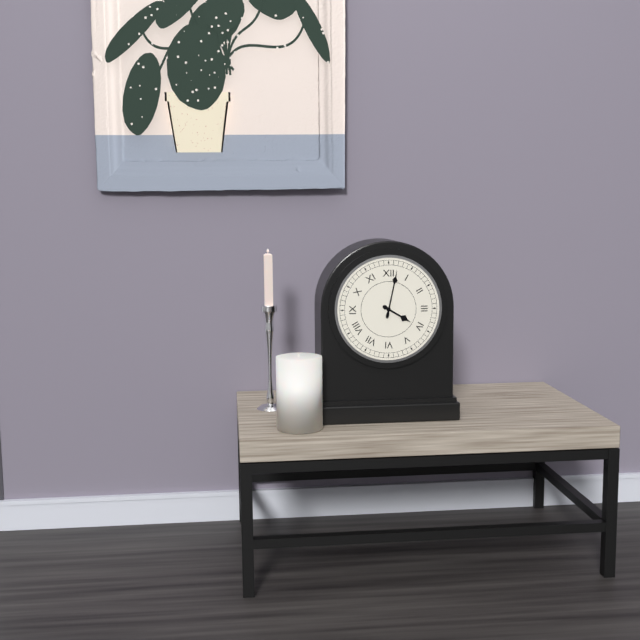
4:02
